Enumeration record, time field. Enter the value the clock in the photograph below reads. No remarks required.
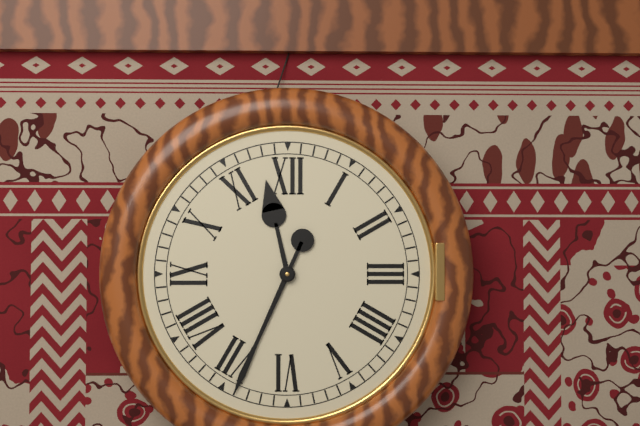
11:34
